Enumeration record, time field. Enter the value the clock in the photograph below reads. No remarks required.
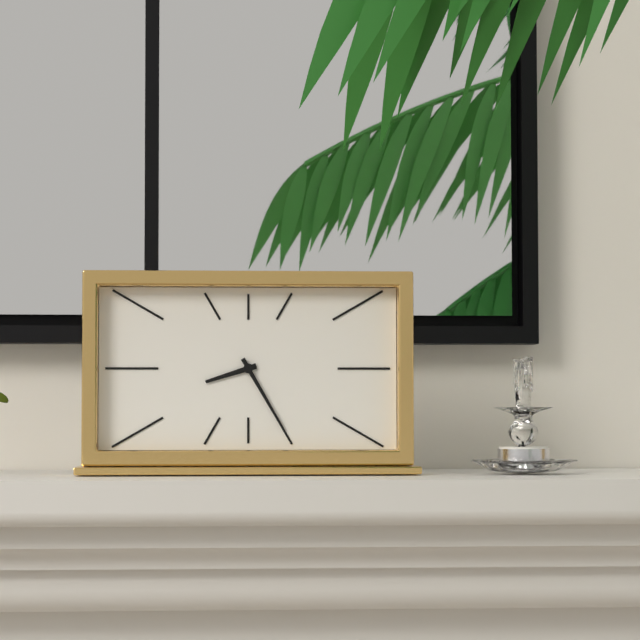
8:25
